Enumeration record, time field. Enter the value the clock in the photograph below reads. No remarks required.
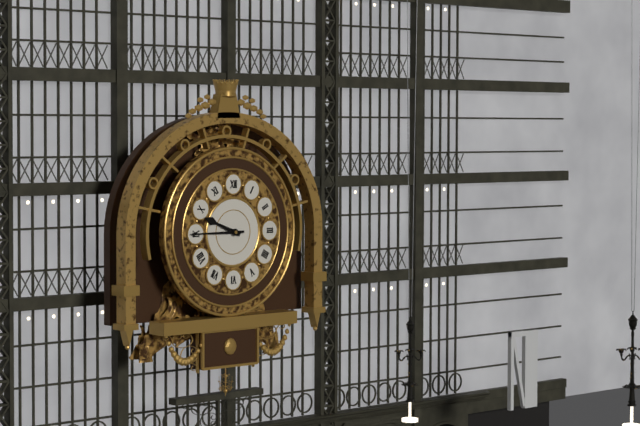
9:45
